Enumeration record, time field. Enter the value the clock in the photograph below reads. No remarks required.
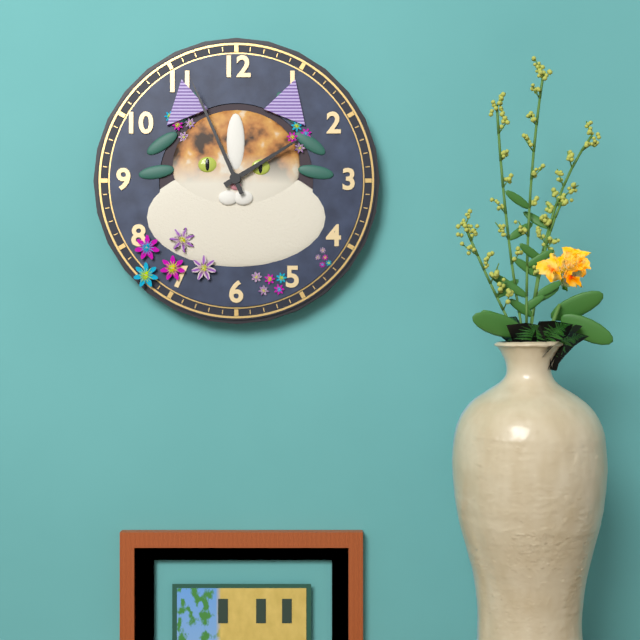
1:56
